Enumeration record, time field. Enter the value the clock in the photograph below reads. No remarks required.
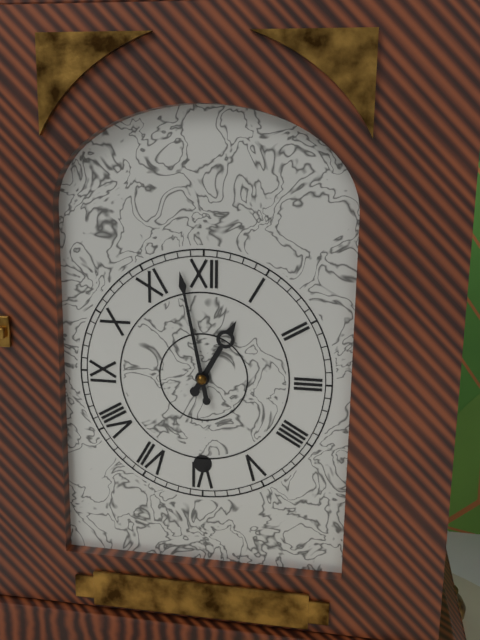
12:58
